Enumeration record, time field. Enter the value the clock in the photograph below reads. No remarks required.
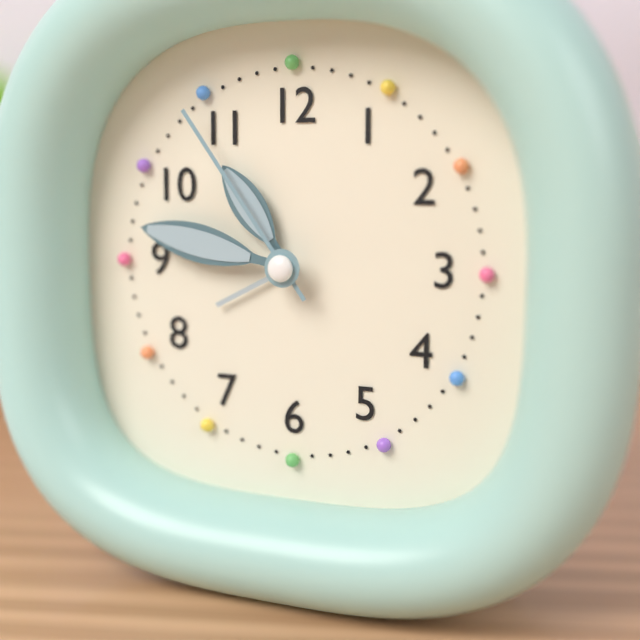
10:47:54
